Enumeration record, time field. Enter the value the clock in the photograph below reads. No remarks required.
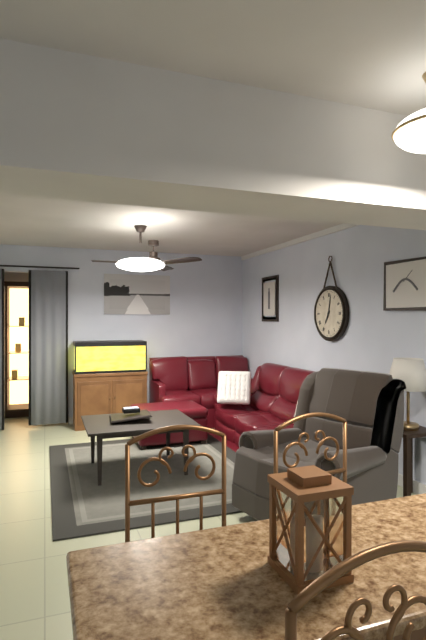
7:02
